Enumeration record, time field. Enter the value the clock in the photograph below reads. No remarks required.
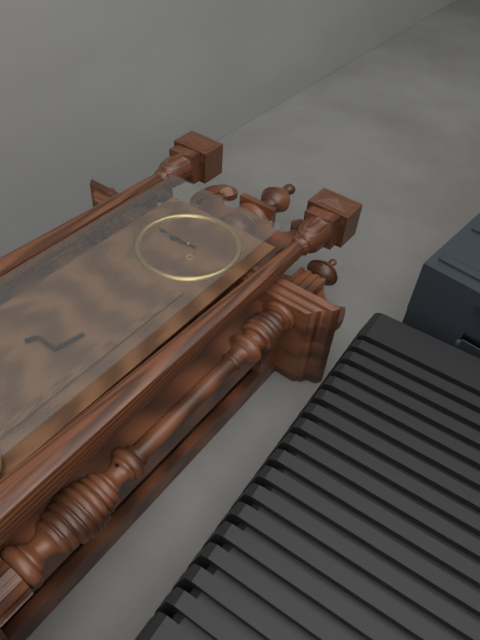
8:45
